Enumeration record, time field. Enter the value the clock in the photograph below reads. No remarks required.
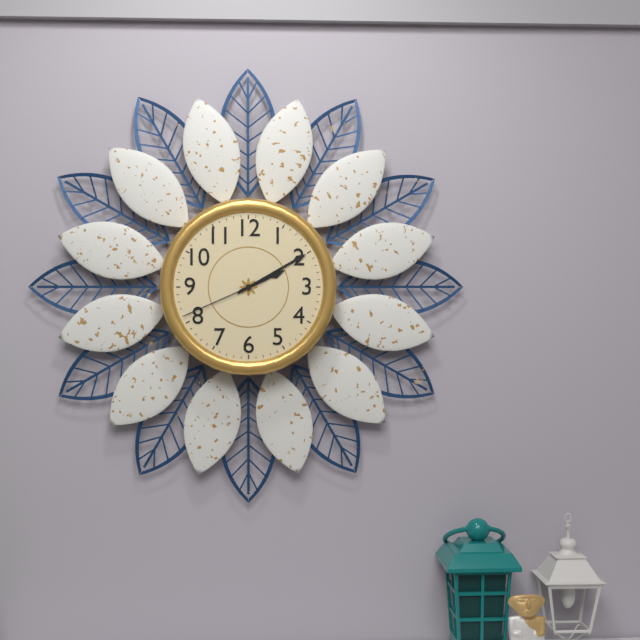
2:10:41
